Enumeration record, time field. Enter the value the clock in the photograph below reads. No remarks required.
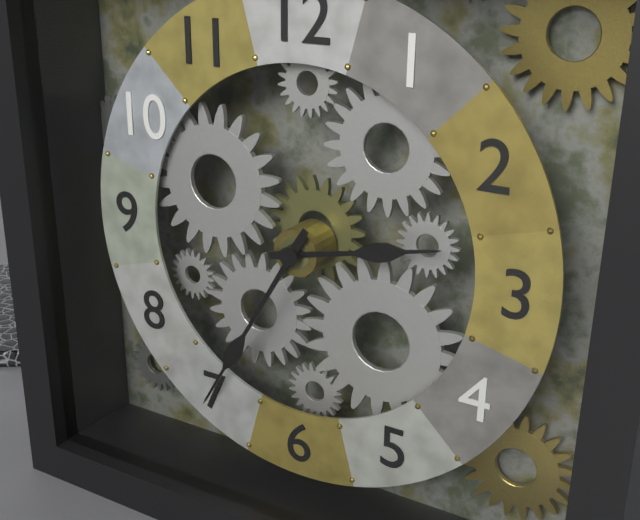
2:35
